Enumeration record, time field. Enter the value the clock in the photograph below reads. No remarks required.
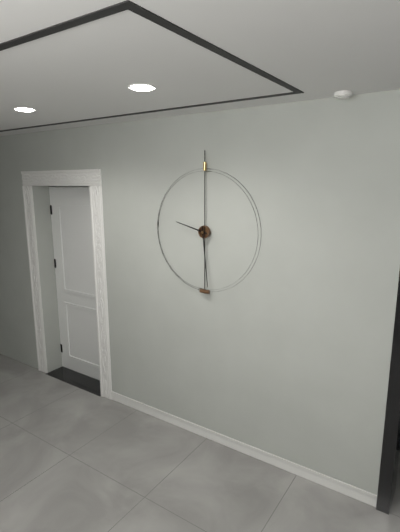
9:29
